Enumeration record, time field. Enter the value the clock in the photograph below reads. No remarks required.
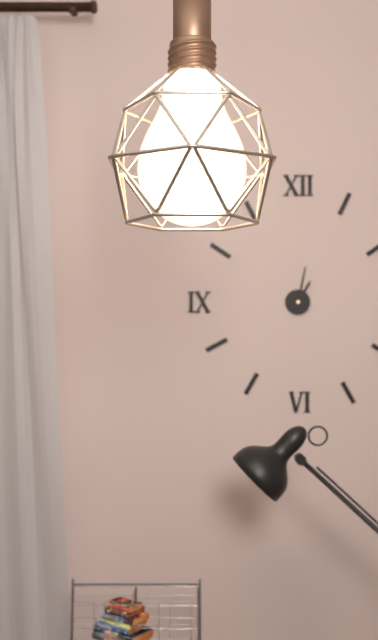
1:02
